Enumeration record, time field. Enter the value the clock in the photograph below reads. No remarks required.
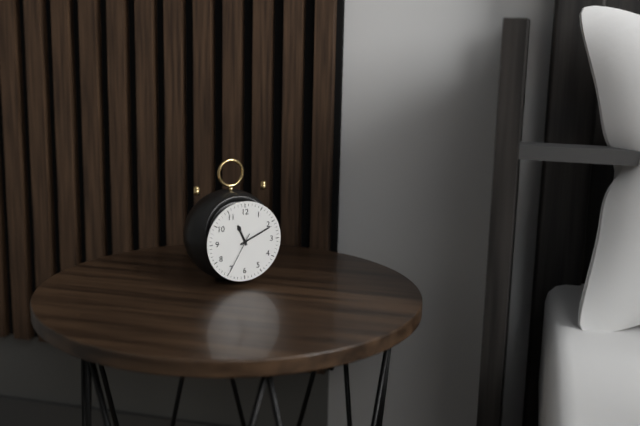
11:11
